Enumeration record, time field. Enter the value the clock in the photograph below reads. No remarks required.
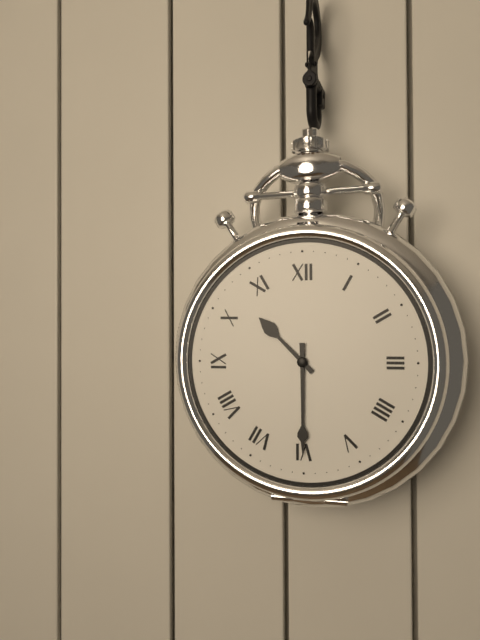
10:30
